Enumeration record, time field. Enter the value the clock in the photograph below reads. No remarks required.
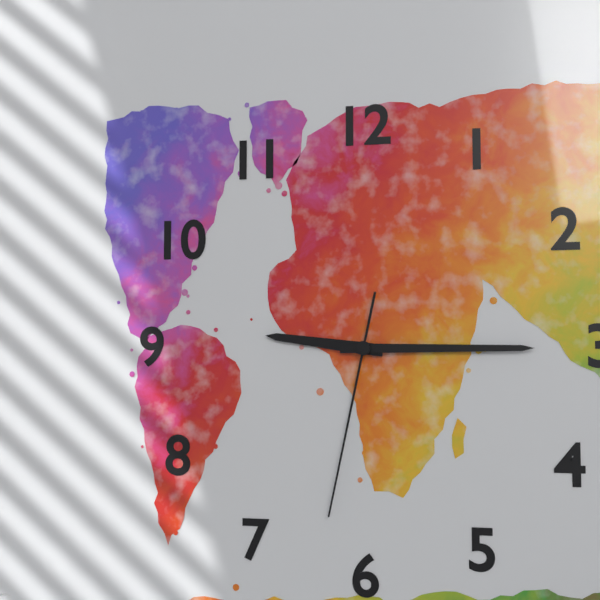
9:15:32
